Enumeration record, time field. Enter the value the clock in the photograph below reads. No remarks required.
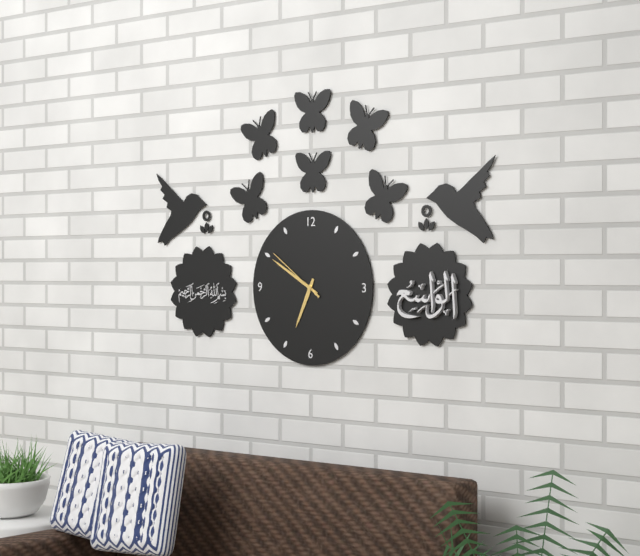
6:50:51
